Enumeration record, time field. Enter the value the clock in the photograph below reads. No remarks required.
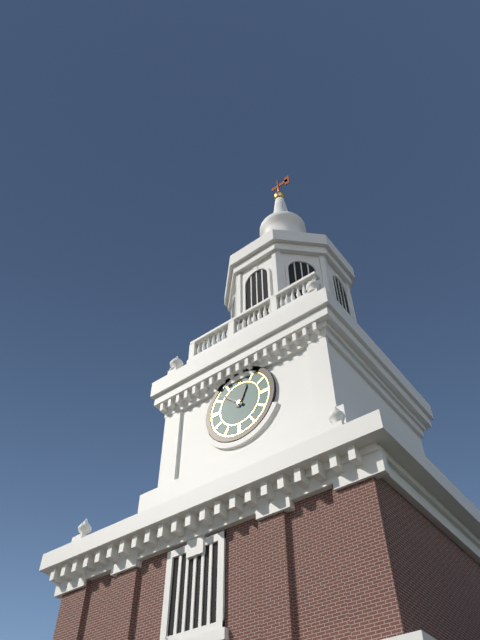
12:52
